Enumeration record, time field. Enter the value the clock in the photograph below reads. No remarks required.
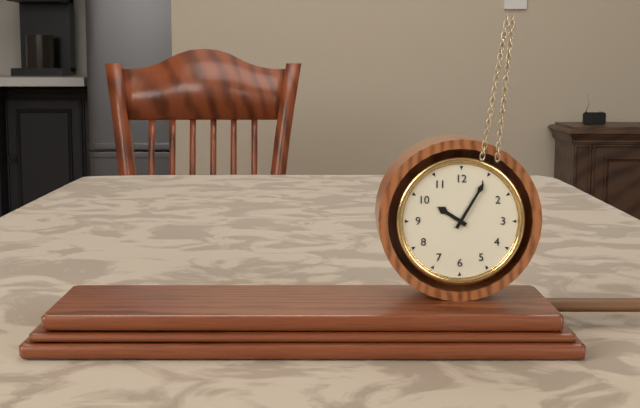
10:05
